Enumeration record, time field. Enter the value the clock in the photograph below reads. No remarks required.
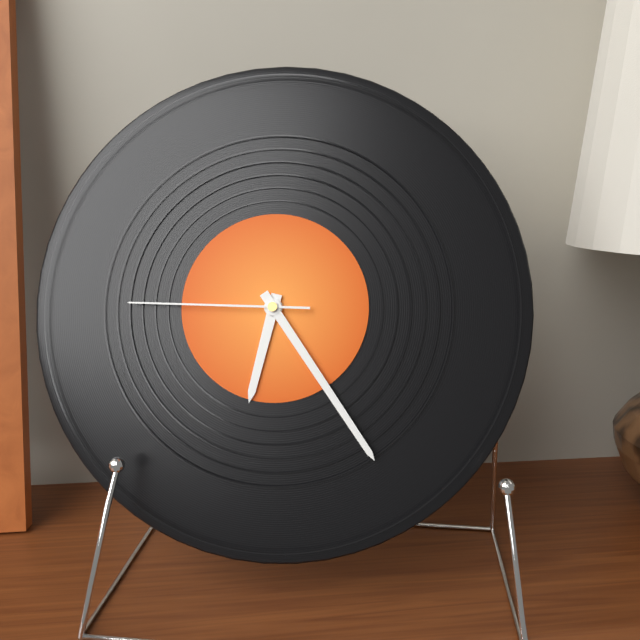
6:24:45
